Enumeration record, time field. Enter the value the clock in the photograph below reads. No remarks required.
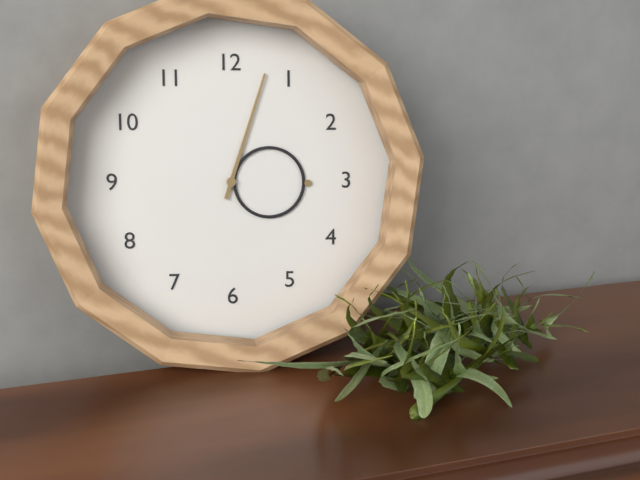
3:03
